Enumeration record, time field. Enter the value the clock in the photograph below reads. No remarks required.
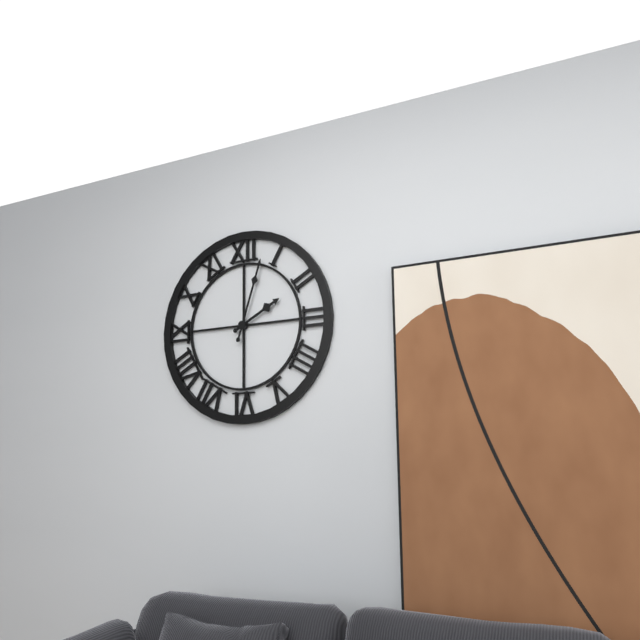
2:03
